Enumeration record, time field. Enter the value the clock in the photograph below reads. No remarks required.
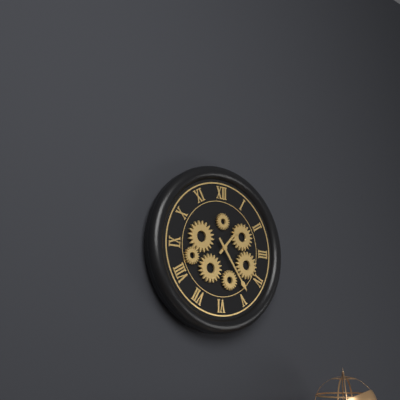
1:24
